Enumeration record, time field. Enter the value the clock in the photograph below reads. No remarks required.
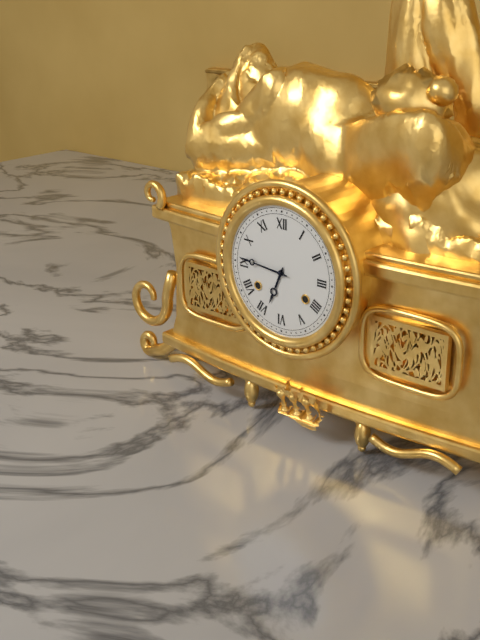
6:46
